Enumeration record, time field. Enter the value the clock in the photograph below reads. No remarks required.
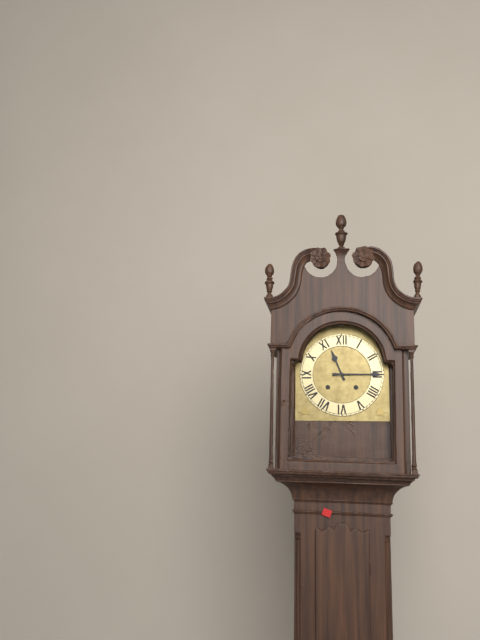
11:15
